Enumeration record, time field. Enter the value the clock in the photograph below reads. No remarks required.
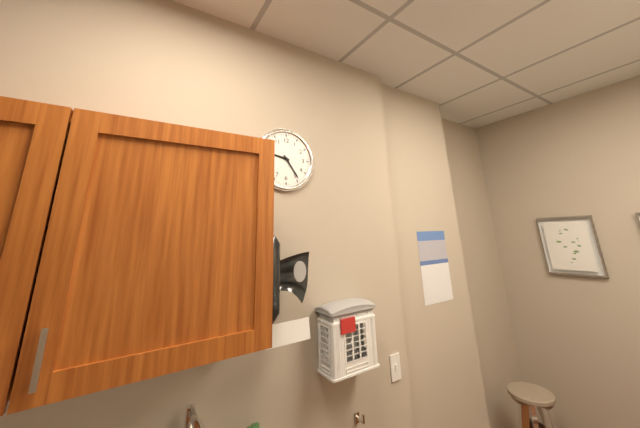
9:24
